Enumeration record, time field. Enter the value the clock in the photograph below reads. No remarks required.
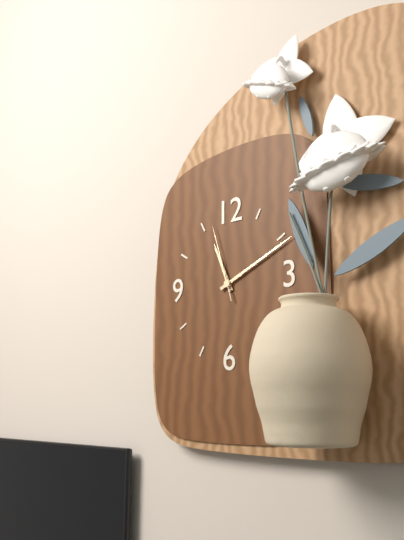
11:11:57
